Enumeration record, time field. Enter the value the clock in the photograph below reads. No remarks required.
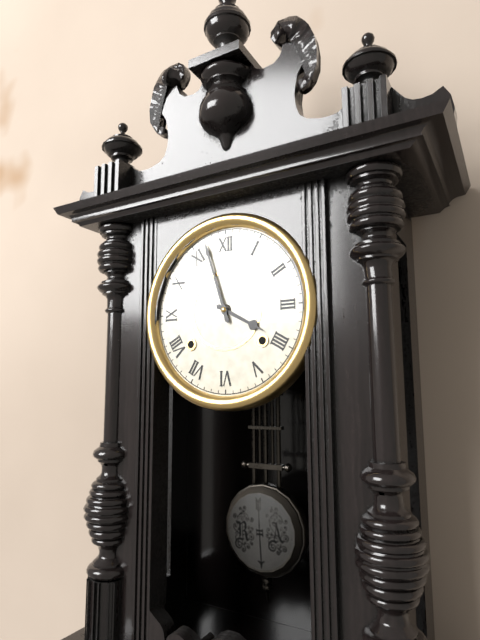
3:57
